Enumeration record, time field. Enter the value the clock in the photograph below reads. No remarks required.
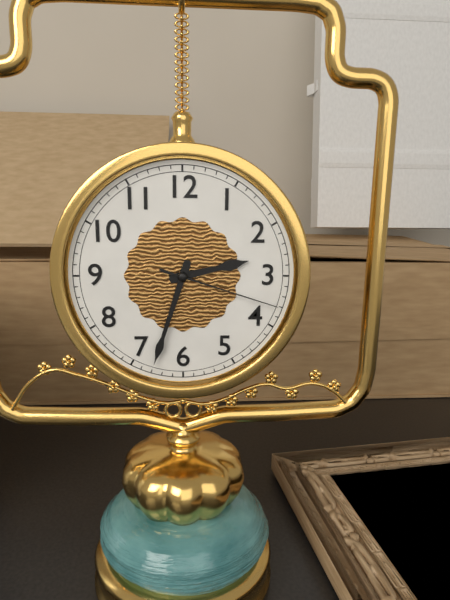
2:33:18
